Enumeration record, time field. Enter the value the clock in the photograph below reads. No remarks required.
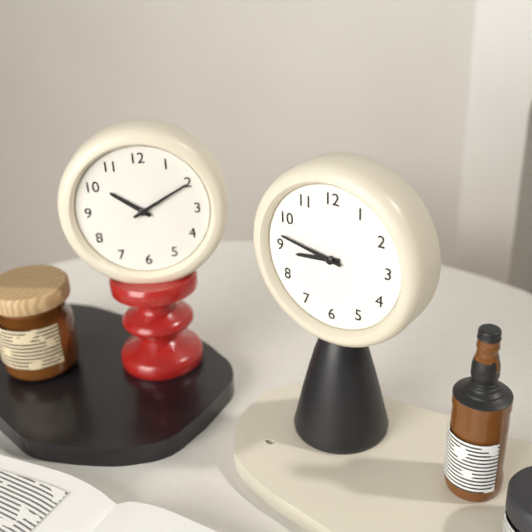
8:47
